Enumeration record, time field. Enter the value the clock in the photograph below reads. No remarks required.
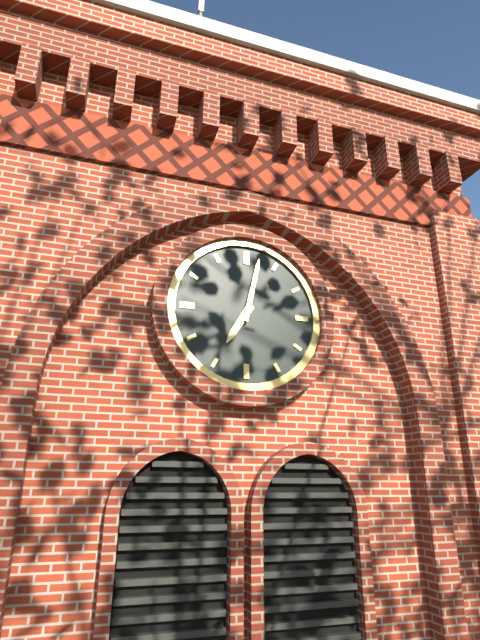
7:02
